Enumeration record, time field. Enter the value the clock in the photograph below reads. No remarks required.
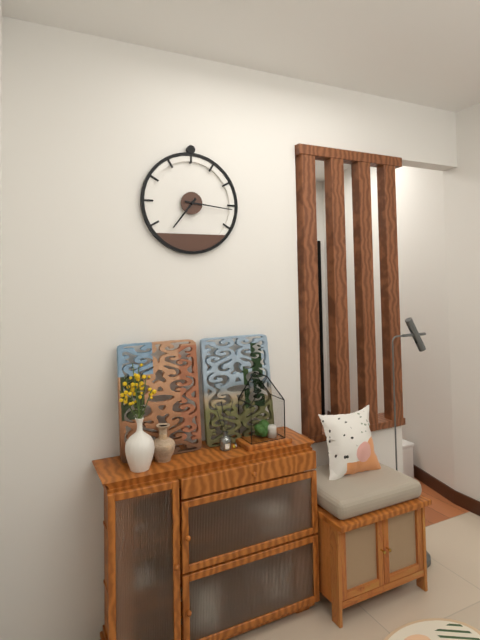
7:16
